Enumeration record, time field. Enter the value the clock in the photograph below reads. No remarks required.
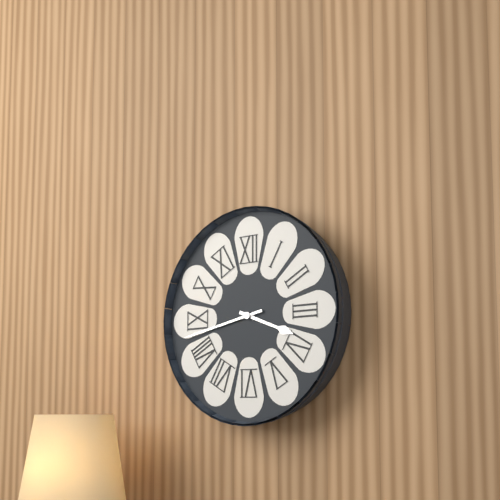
3:43
